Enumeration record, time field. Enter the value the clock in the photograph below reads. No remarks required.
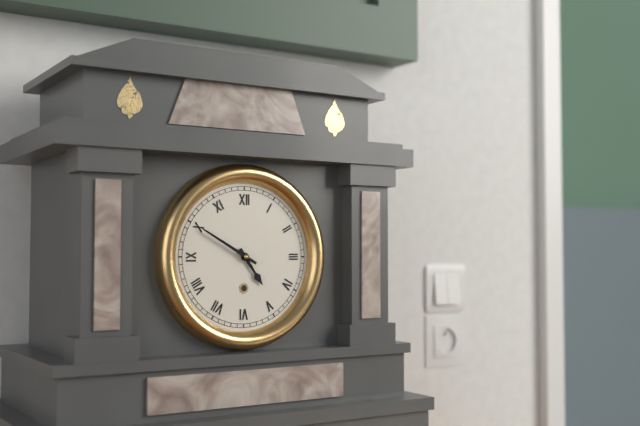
4:50
